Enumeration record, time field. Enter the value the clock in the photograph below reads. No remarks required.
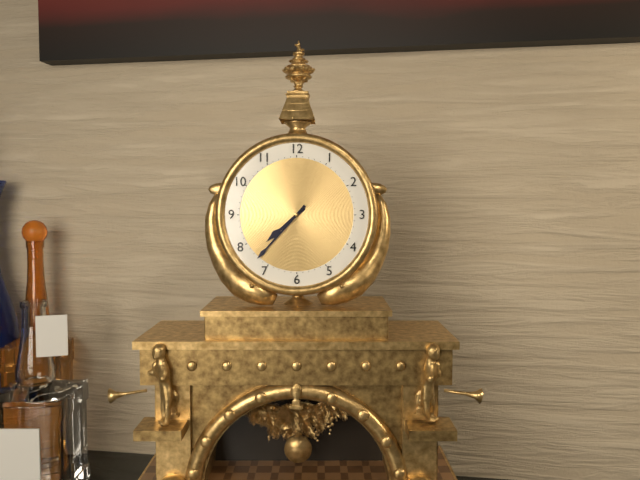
7:37
